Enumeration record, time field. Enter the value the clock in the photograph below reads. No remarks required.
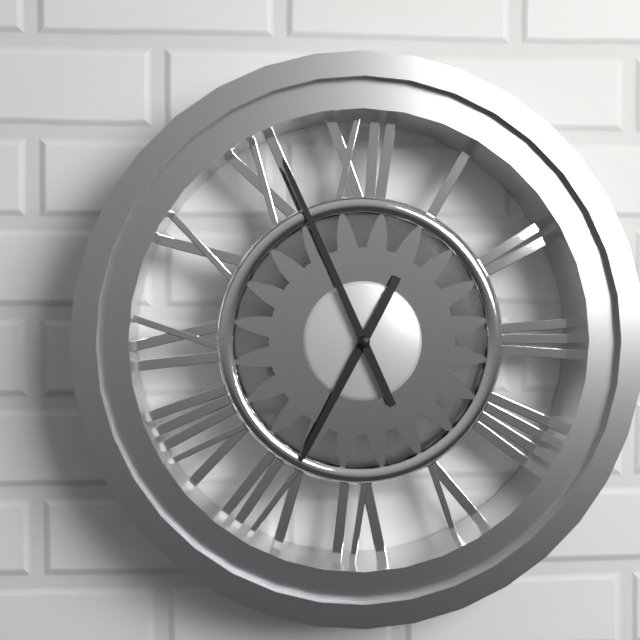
6:56
